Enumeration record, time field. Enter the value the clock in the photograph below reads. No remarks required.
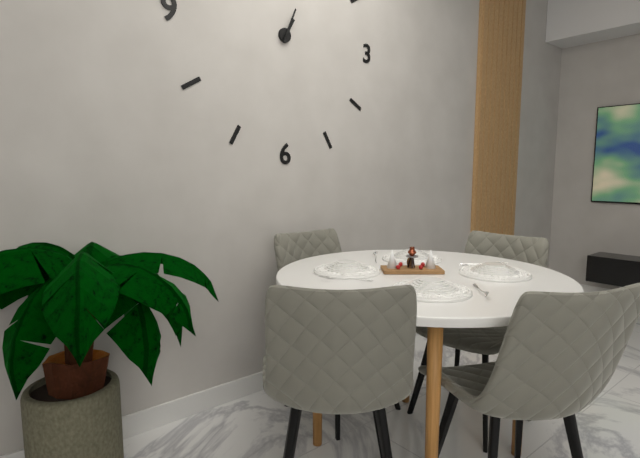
1:04
